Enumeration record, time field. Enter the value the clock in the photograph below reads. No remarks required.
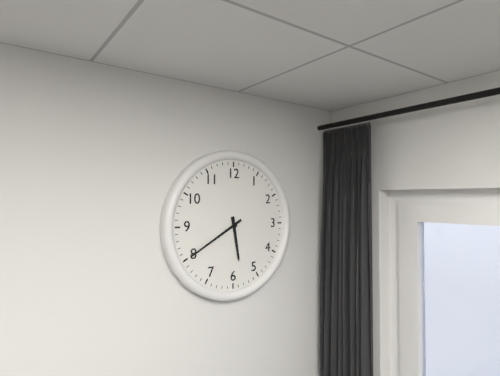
5:40
